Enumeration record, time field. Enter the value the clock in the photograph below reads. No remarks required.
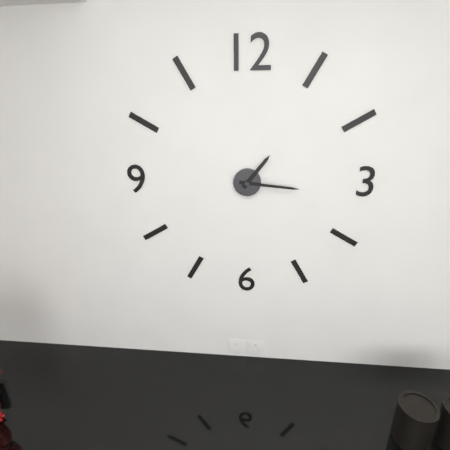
1:16
